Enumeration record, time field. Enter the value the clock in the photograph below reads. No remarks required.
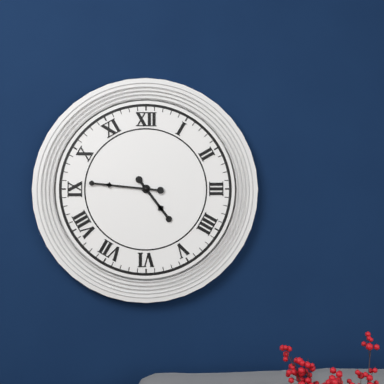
4:46
